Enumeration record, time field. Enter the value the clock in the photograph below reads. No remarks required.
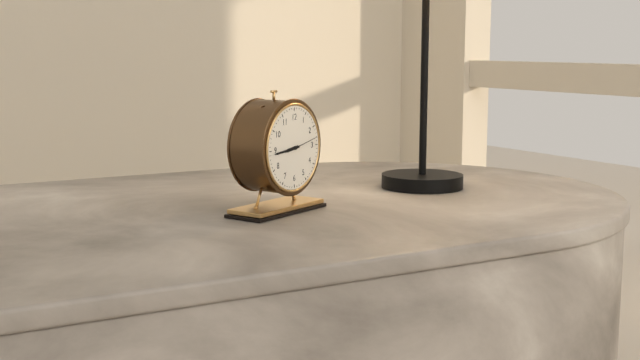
8:44
